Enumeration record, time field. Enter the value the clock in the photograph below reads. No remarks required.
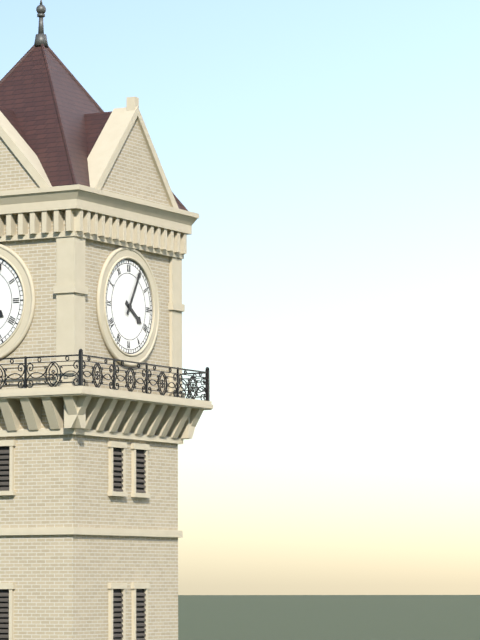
4:05
